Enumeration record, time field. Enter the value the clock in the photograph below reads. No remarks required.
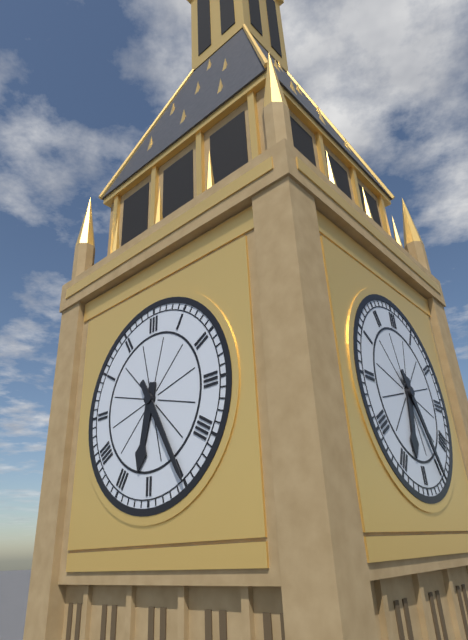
6:25
